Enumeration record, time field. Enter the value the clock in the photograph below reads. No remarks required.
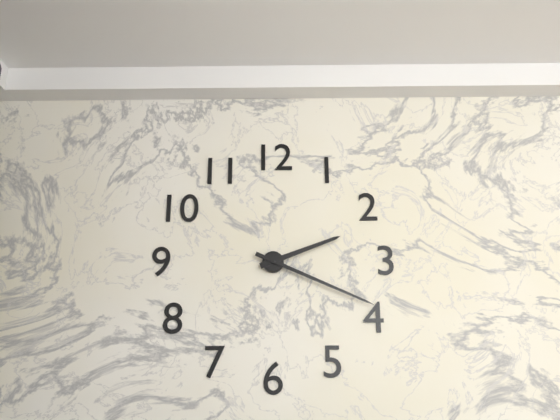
2:19
